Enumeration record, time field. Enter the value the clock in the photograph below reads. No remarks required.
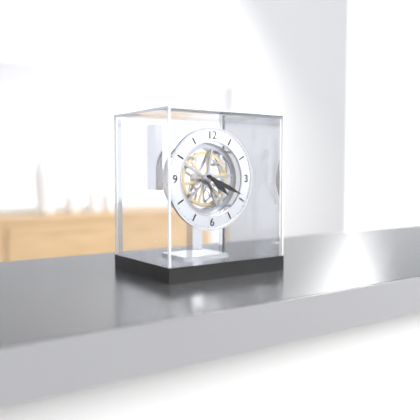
4:19
